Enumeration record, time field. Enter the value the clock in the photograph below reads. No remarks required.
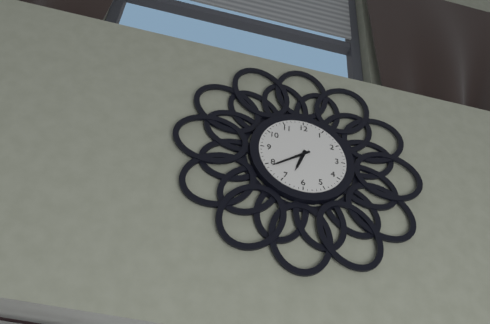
6:39
